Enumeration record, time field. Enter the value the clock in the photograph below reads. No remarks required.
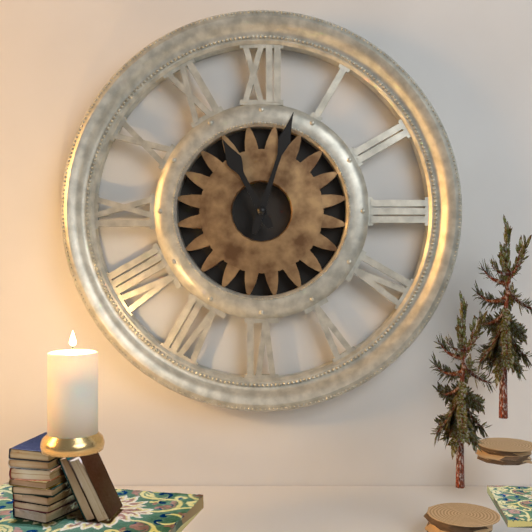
11:03
